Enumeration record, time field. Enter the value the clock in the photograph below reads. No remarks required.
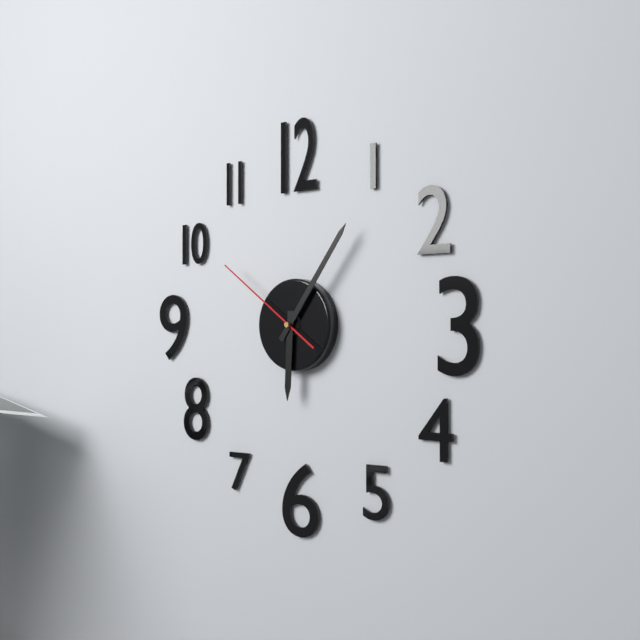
6:06:51
